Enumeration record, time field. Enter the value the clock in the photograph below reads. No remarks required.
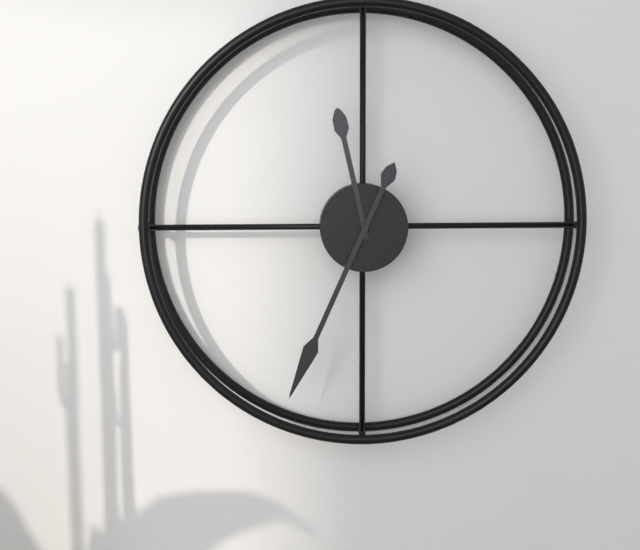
11:34
